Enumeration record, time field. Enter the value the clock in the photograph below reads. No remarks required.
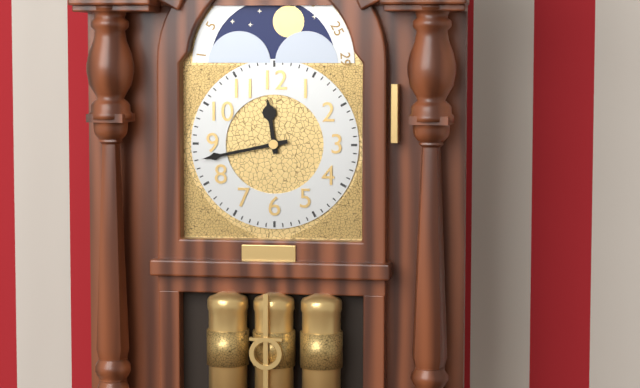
11:43
